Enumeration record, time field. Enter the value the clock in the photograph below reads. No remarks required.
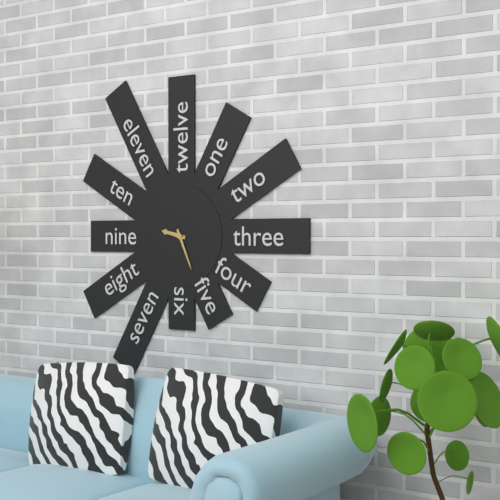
9:26
